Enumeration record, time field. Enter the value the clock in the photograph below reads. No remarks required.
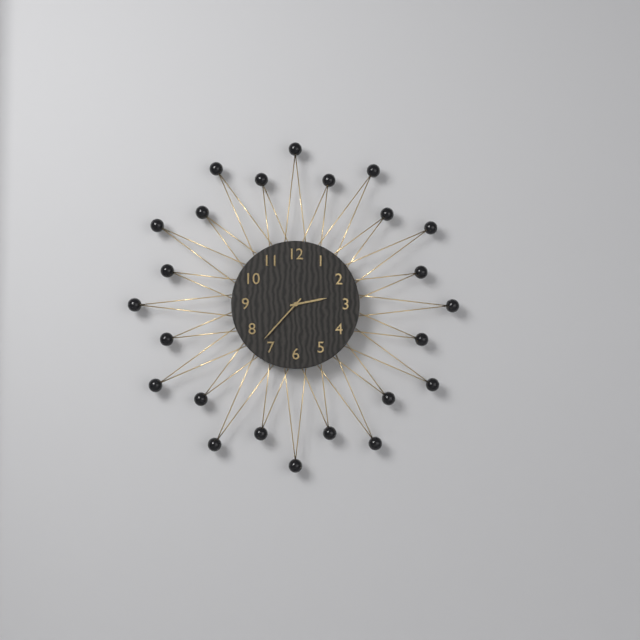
2:37
